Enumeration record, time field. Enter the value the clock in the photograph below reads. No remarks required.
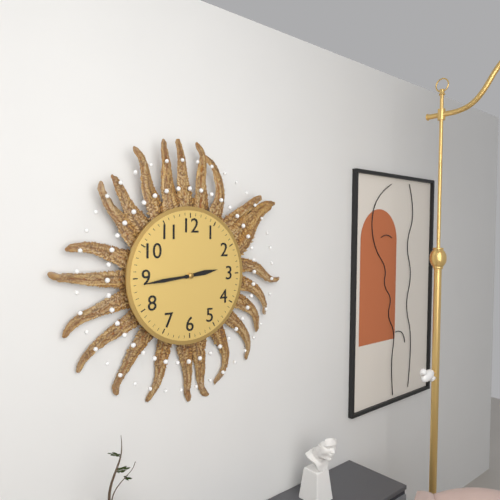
2:44
